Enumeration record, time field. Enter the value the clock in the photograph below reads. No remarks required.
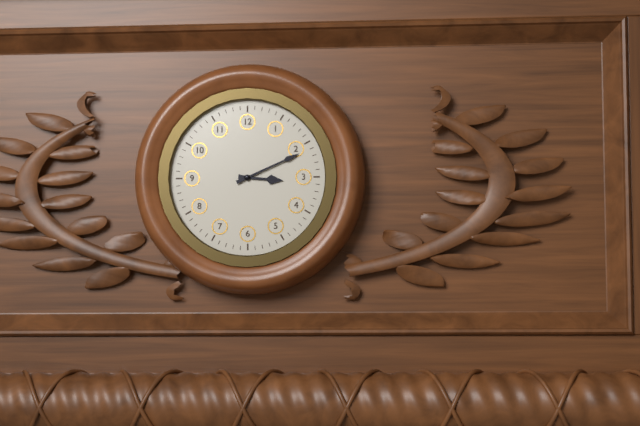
3:11
